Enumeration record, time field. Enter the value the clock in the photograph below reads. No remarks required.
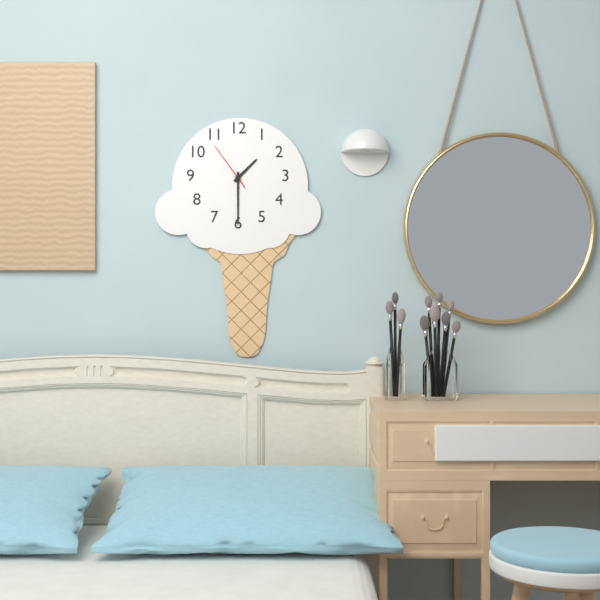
1:30:54
